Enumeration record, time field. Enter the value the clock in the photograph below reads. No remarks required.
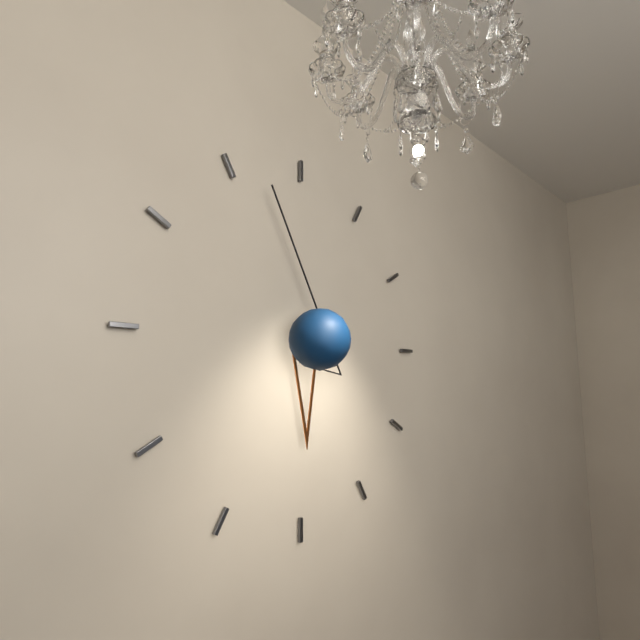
5:57
